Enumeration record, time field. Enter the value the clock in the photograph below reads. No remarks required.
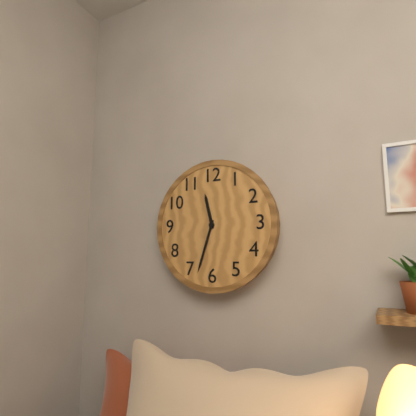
11:33
